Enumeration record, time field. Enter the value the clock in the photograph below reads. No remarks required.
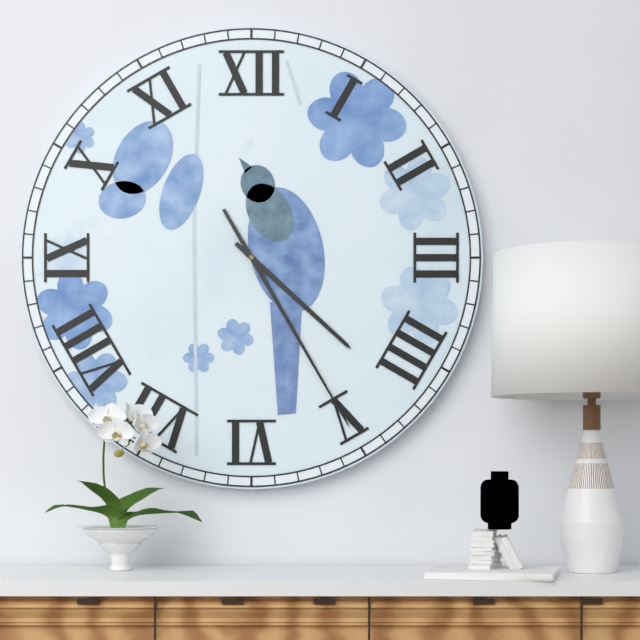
4:25
